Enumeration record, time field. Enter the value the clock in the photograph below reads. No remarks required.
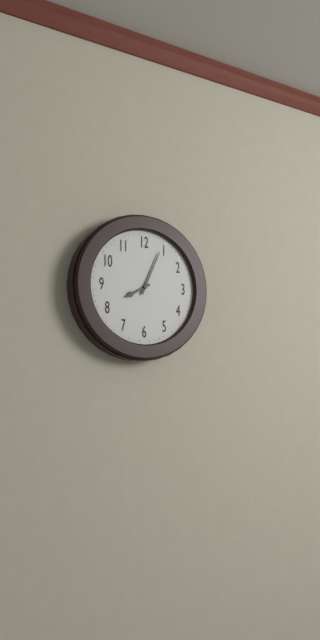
8:04
